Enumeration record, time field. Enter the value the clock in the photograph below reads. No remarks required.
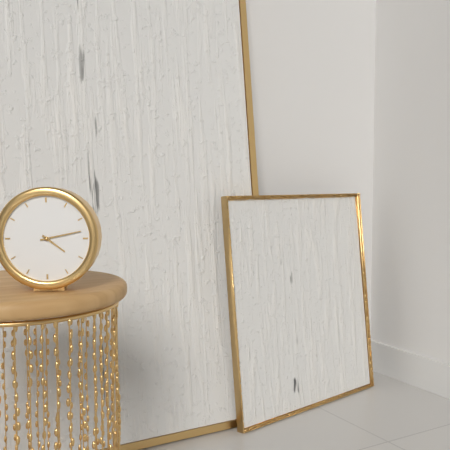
4:13
